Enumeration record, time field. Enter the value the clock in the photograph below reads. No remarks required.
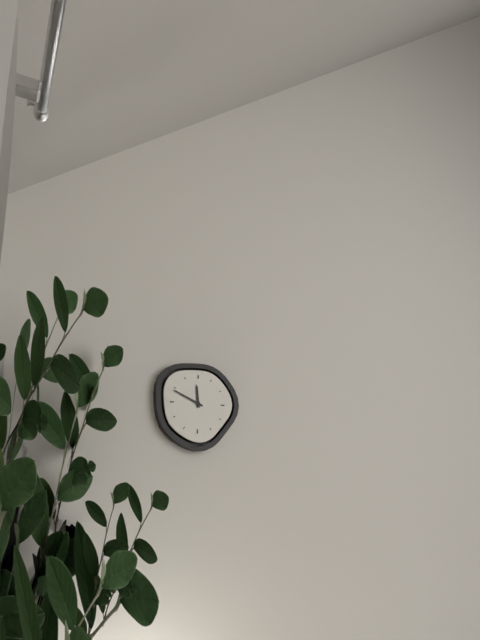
11:49
